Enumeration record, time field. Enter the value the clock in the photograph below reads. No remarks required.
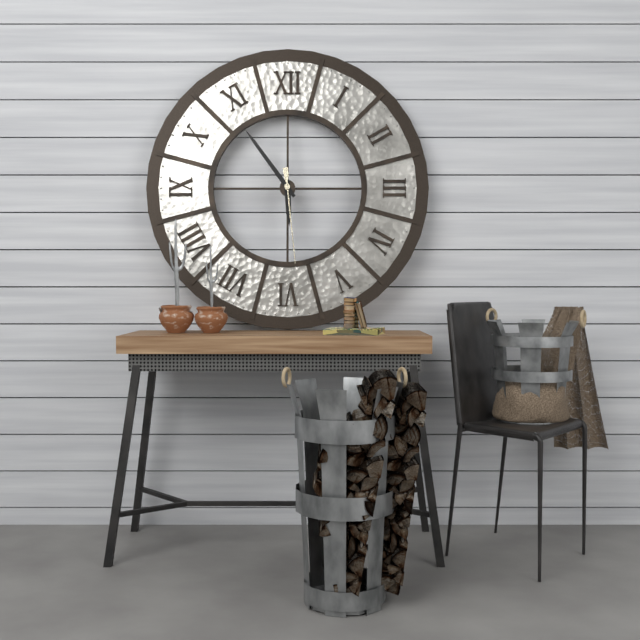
5:54:29
